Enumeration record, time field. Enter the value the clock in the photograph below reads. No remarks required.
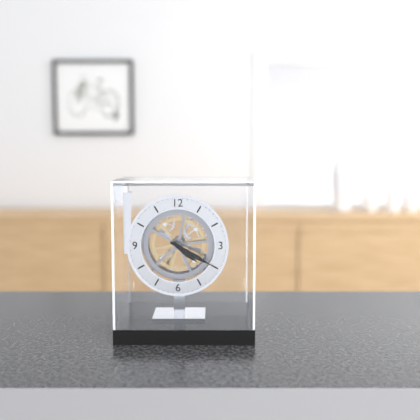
4:20
